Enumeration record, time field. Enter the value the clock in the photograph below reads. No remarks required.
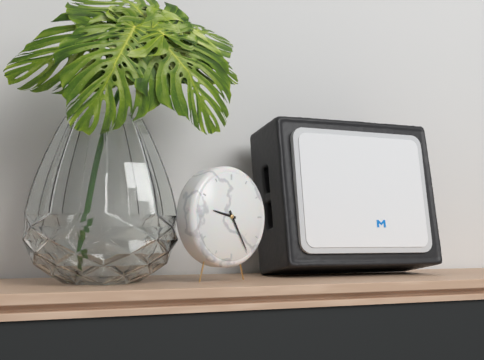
9:25
